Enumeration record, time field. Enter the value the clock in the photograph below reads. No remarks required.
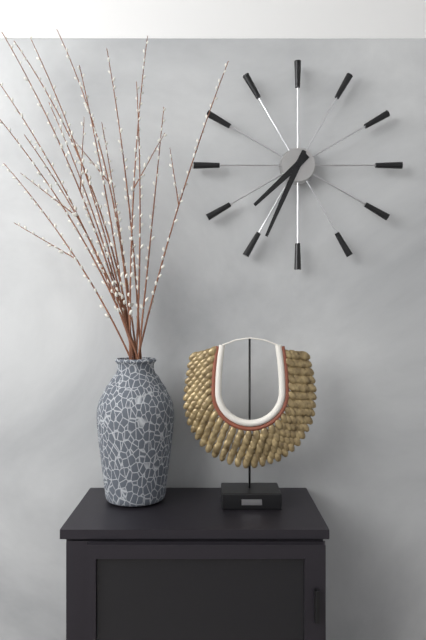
7:34
